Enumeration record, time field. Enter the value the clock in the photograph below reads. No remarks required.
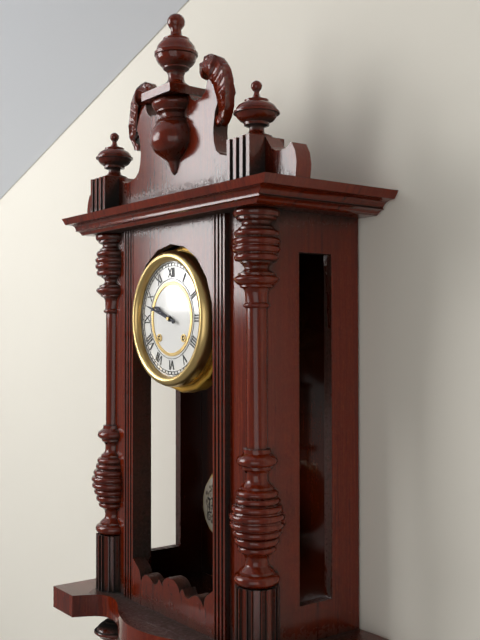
9:48
